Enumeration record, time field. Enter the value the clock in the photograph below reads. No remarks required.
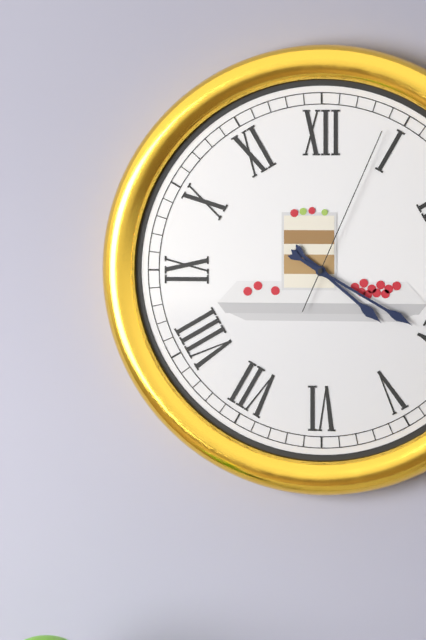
4:20:04
